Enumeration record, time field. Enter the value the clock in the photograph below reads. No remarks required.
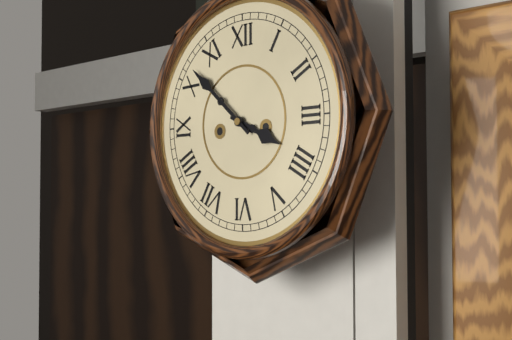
3:52
